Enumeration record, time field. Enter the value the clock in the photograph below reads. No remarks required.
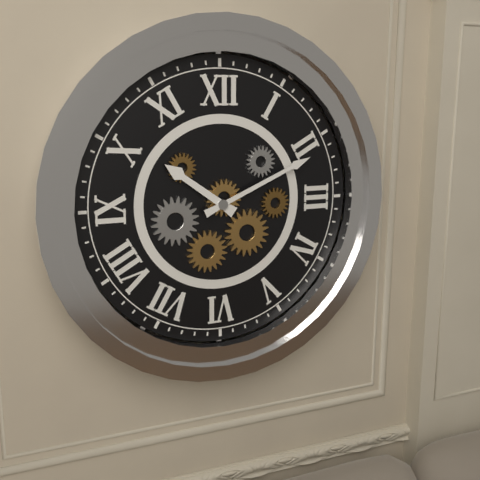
10:11
